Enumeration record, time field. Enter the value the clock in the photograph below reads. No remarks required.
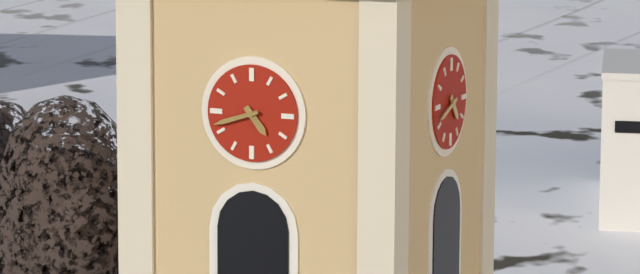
4:42
